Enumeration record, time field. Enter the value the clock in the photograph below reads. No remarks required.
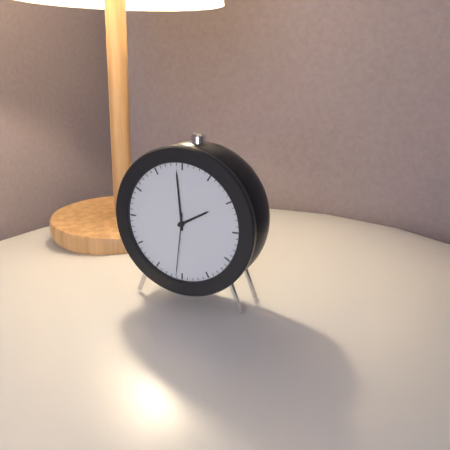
1:59:31
